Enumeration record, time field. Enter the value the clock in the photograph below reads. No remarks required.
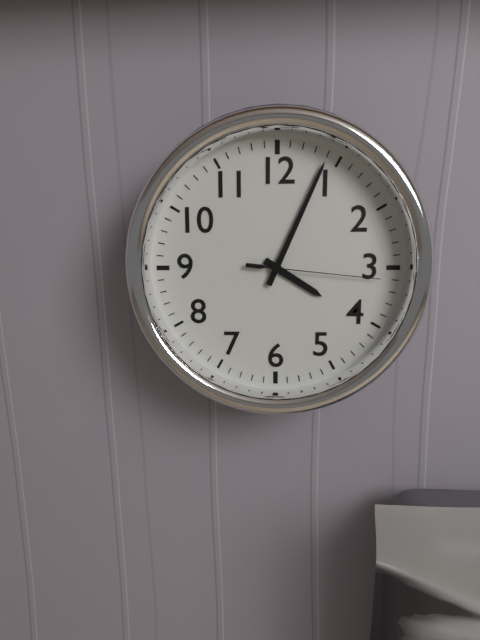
4:04:16
